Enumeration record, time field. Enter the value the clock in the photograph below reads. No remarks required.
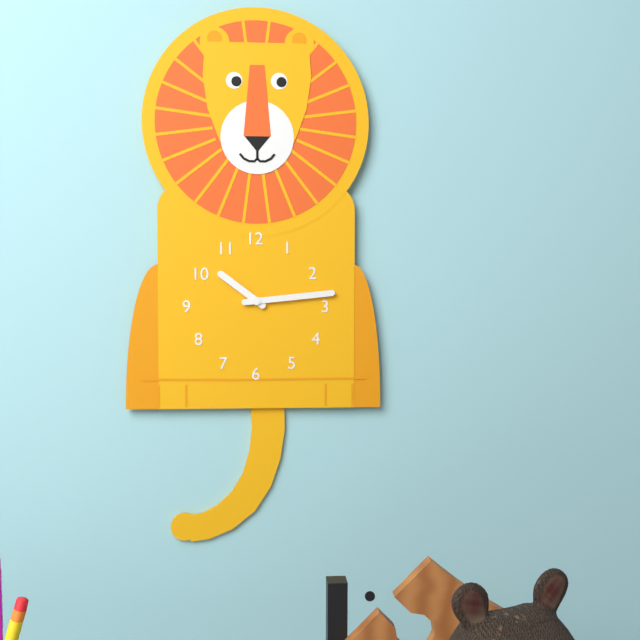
10:14
